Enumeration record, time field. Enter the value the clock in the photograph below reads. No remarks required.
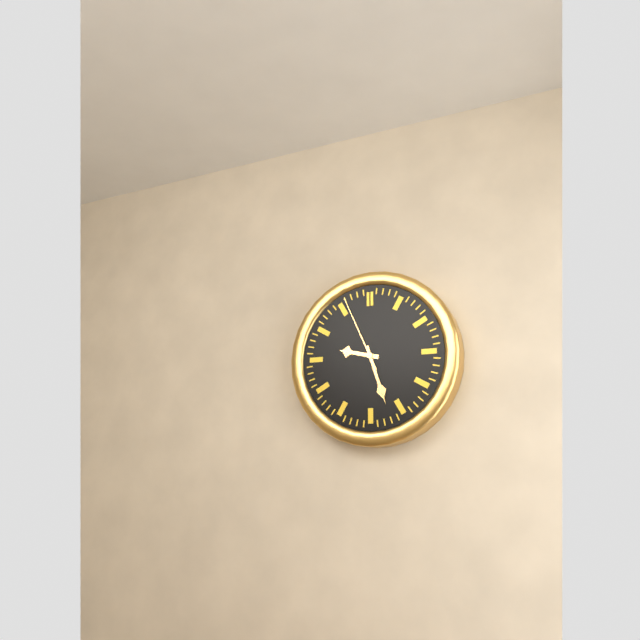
9:27:56
